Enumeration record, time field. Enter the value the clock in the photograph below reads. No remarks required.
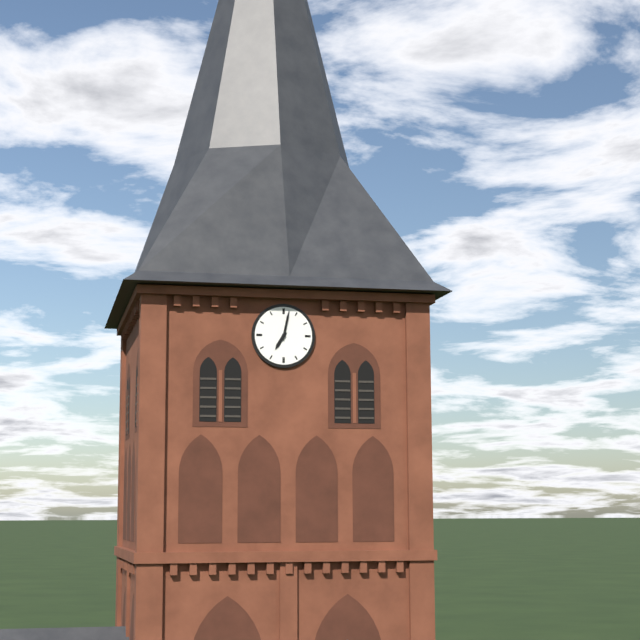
7:02
